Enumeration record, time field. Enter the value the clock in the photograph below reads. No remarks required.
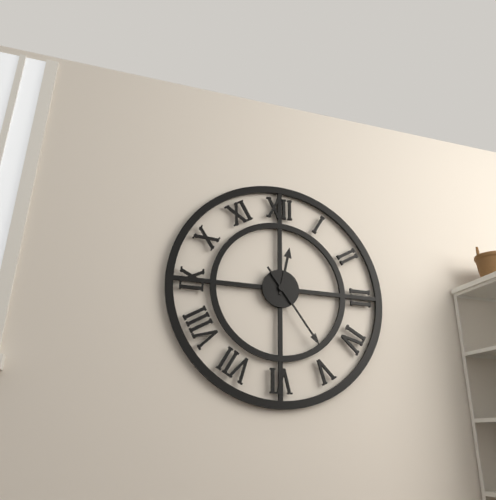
12:24
